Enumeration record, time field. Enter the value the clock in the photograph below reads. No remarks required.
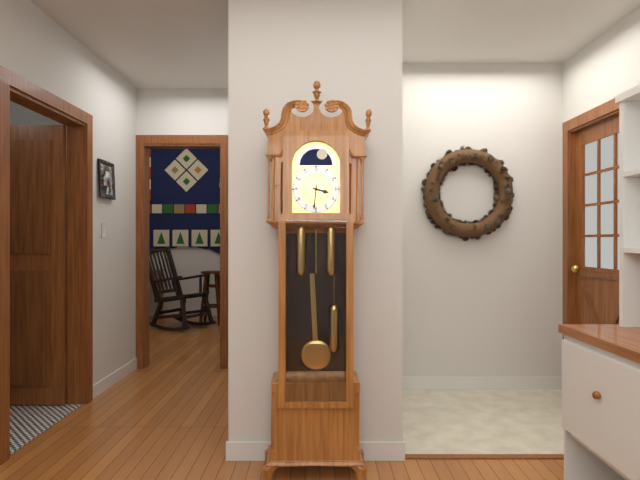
3:31
